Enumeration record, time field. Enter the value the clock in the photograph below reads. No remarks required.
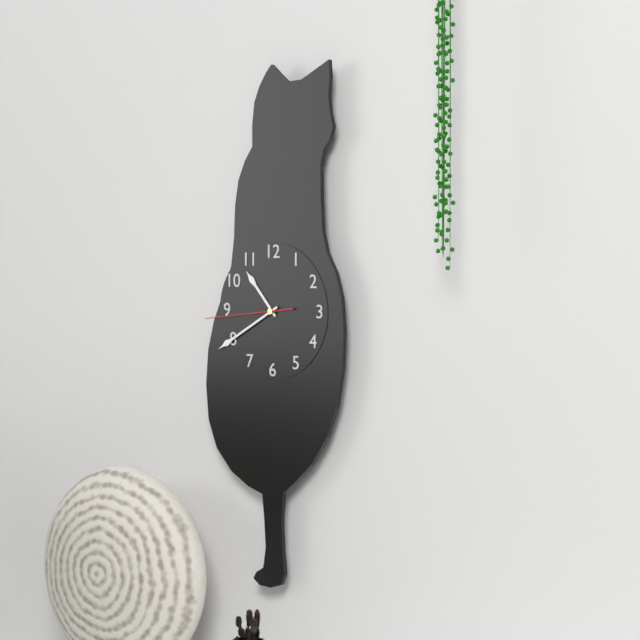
10:40:44
